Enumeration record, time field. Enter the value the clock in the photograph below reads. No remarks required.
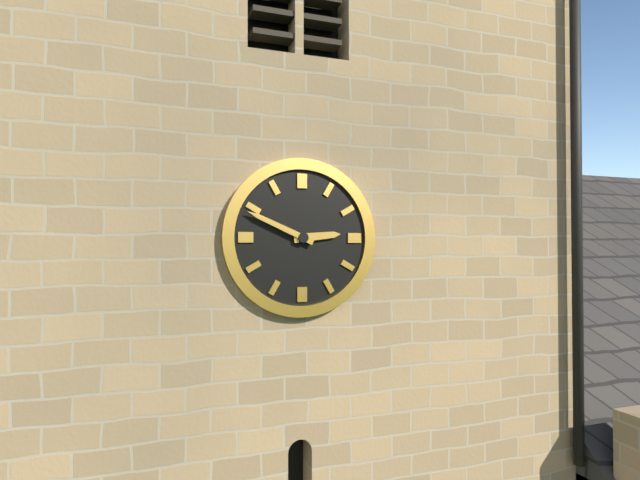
2:49
